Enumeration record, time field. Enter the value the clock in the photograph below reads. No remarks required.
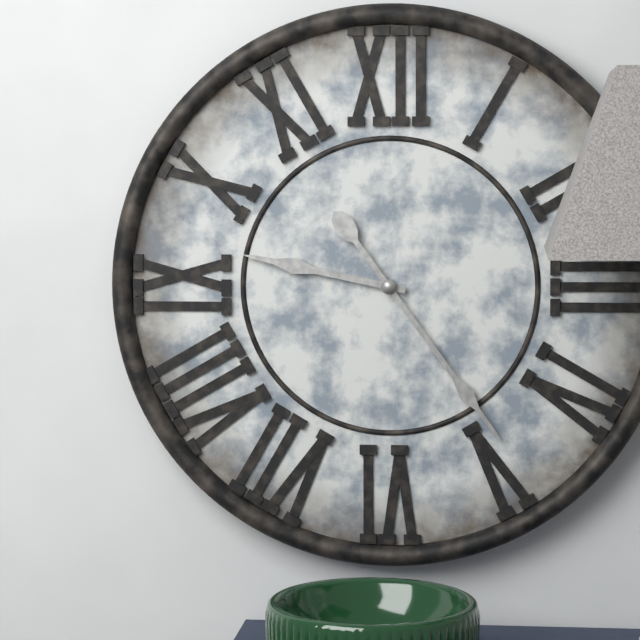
9:24
